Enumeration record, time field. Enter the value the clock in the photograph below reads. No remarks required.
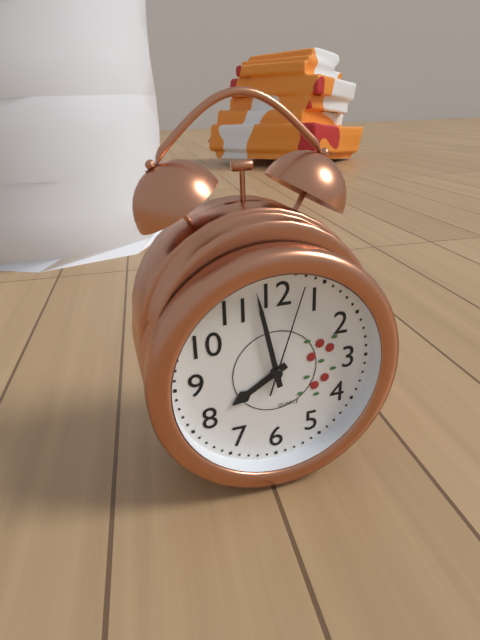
7:58:03
